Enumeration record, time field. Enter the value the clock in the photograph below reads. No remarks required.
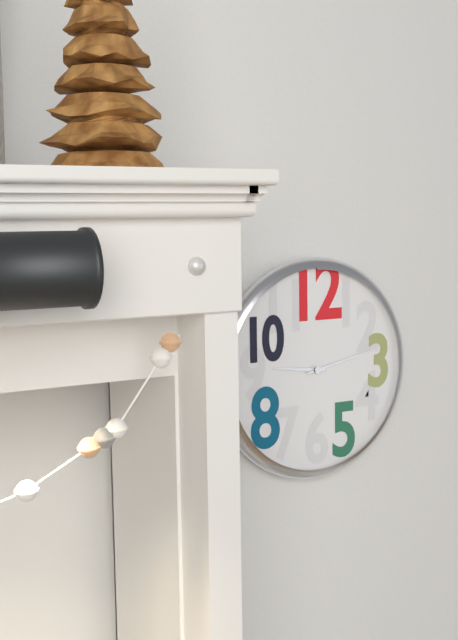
9:13
